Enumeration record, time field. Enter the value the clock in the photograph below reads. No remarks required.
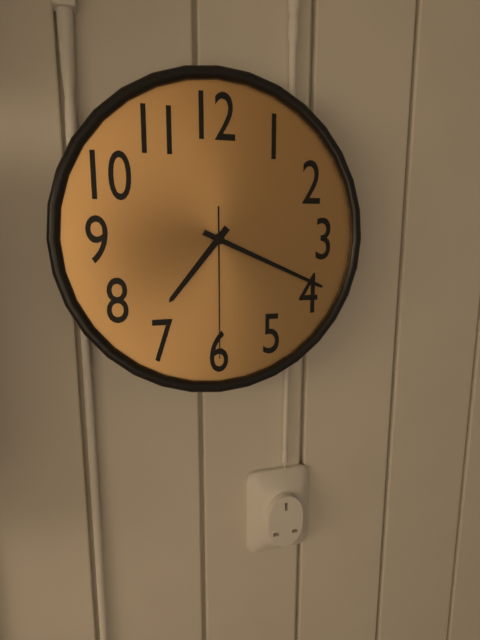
7:19:30
